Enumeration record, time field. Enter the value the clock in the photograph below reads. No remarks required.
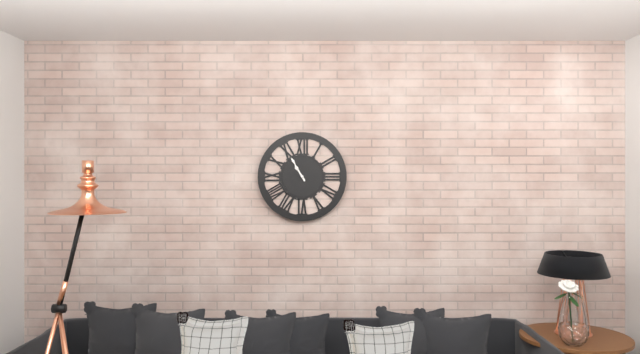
10:55
